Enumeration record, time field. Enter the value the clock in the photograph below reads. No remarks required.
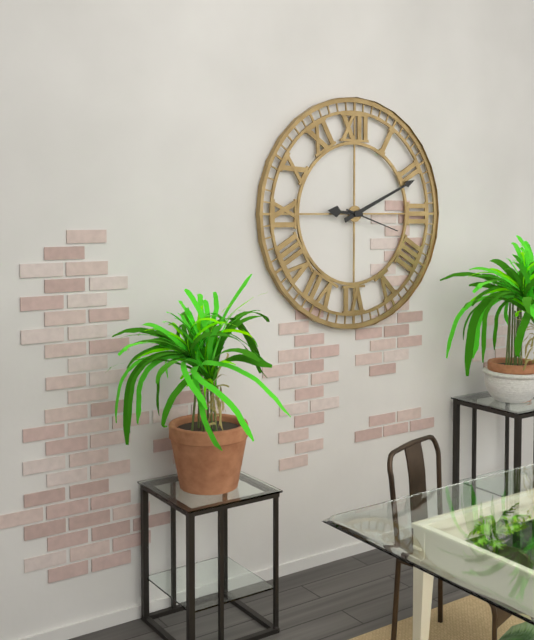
9:11:18
